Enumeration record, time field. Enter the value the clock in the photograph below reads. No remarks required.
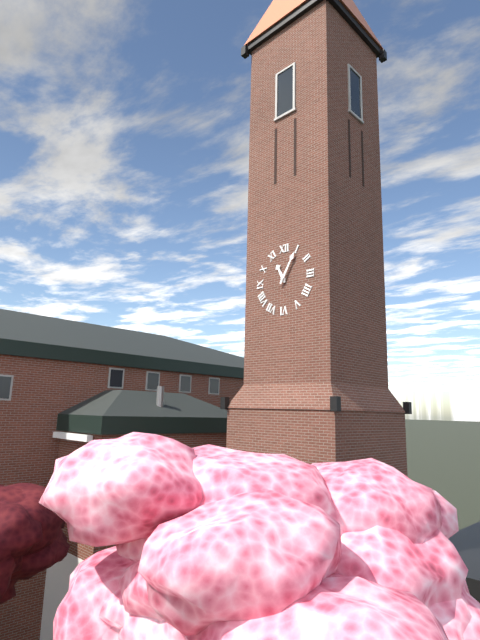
11:05
